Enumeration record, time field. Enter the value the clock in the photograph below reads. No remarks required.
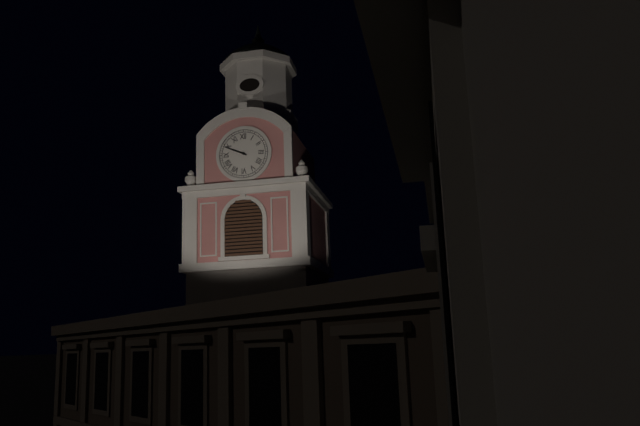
9:49
